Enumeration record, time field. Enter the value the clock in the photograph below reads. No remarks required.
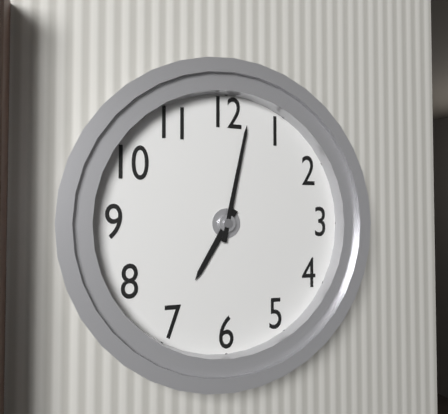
7:02
